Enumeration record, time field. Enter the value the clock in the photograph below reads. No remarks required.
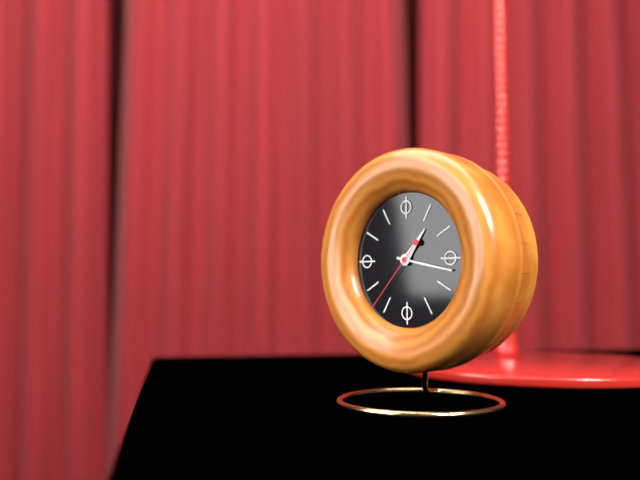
1:17:37
